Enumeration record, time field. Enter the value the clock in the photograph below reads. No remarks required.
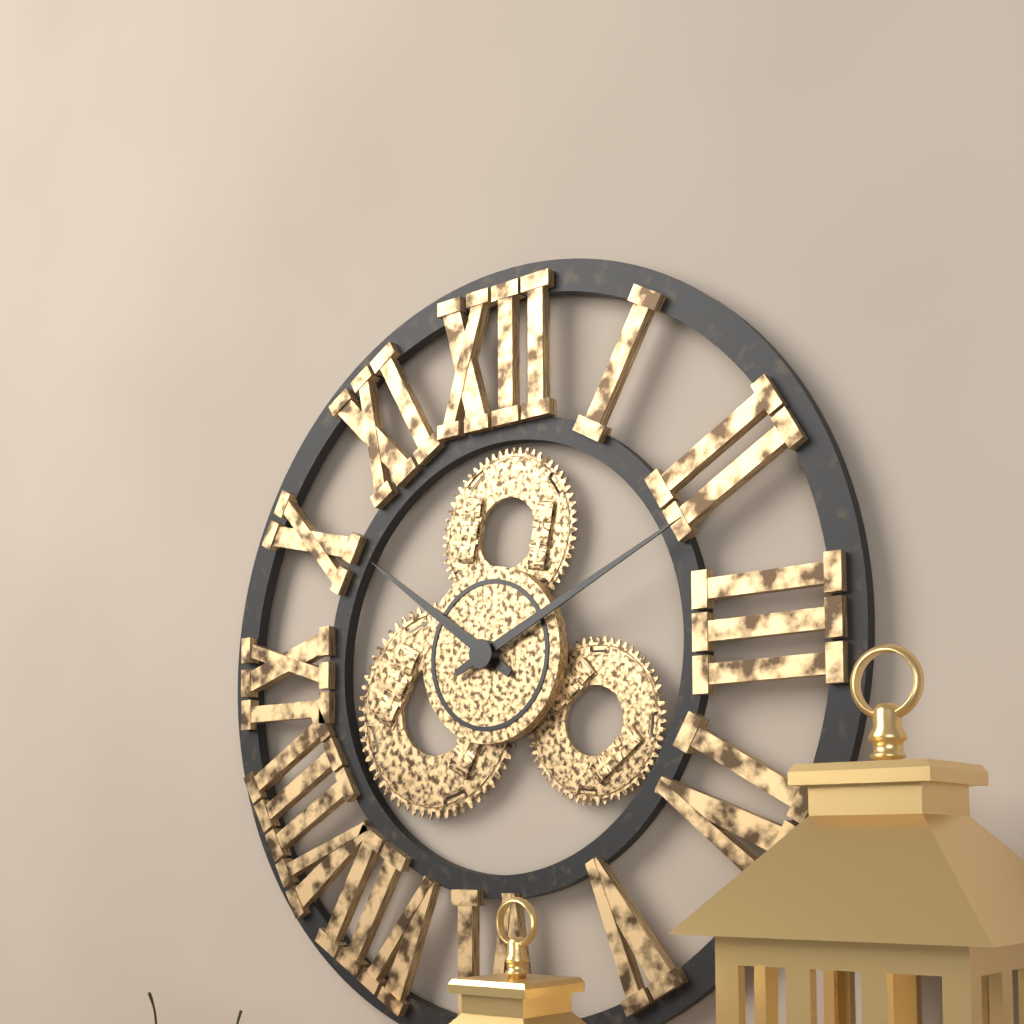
10:11
